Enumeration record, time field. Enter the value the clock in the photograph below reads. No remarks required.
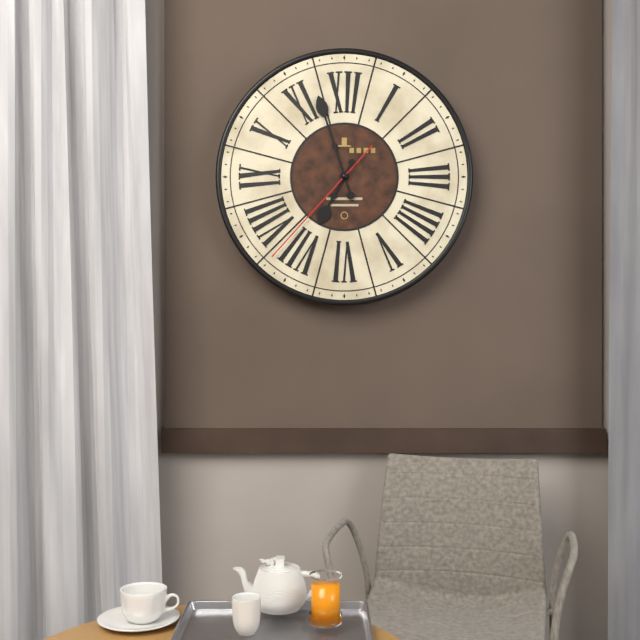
6:57:37
